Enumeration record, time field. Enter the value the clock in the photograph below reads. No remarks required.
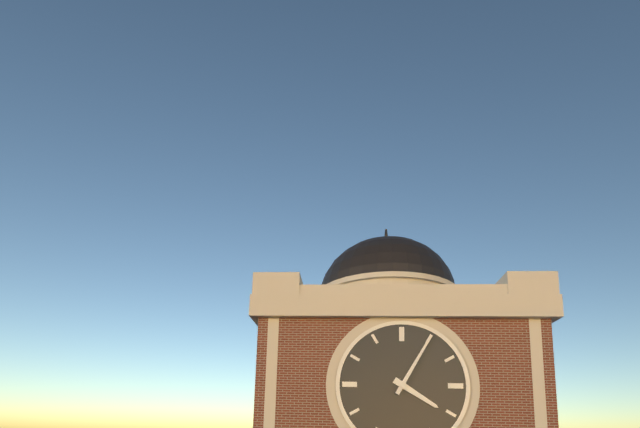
4:05
